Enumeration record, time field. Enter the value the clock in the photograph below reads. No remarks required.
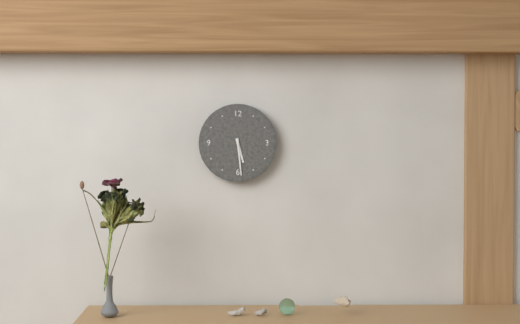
5:29
